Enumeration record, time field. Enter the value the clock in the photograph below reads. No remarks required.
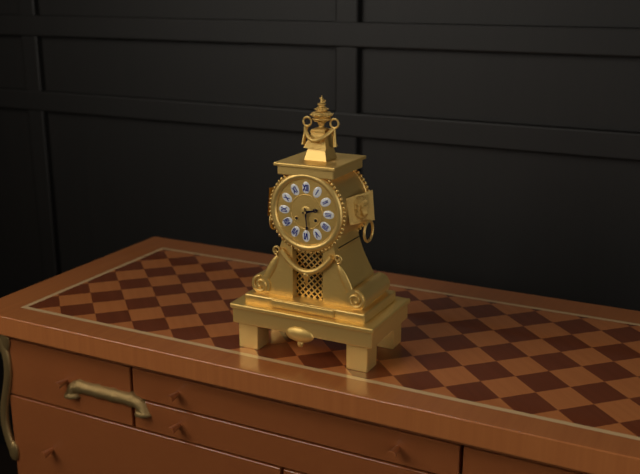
2:29
